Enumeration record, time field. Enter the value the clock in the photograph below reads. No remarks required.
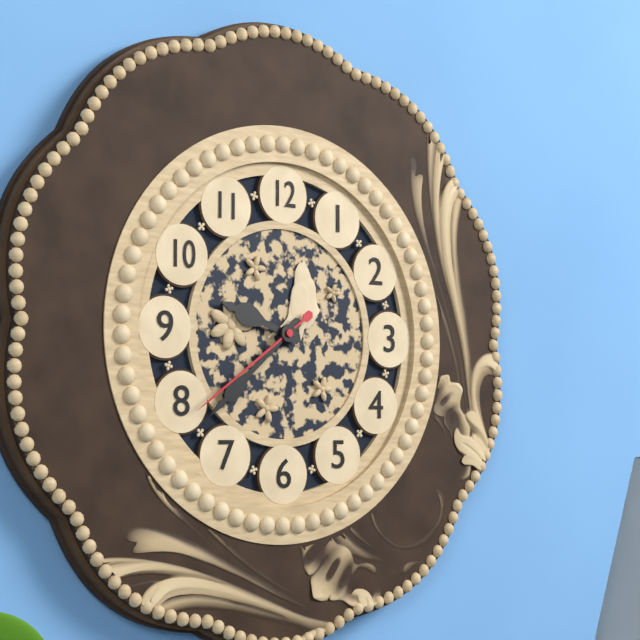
9:38:39
